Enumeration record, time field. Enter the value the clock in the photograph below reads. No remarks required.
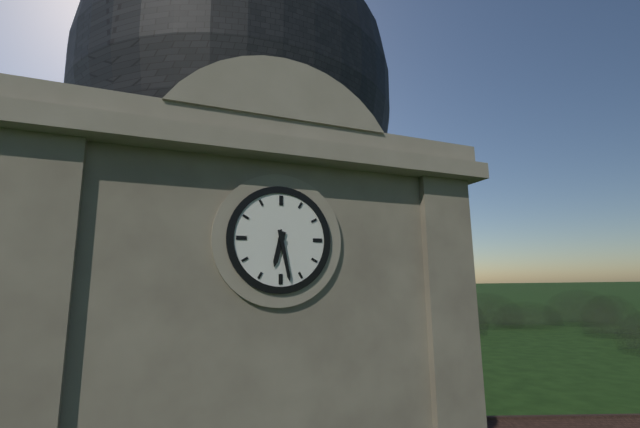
6:28
